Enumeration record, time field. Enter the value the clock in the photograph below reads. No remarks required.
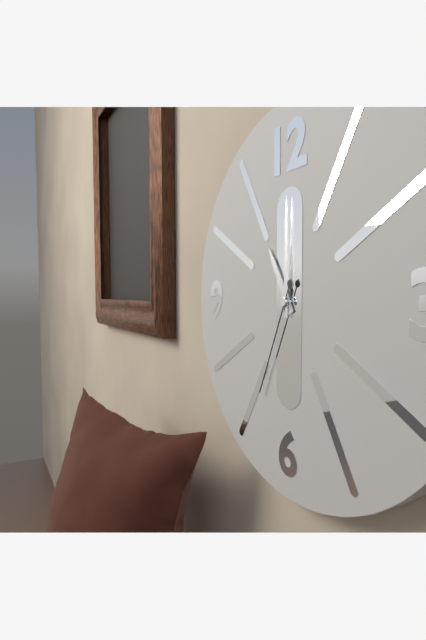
11:00:34
